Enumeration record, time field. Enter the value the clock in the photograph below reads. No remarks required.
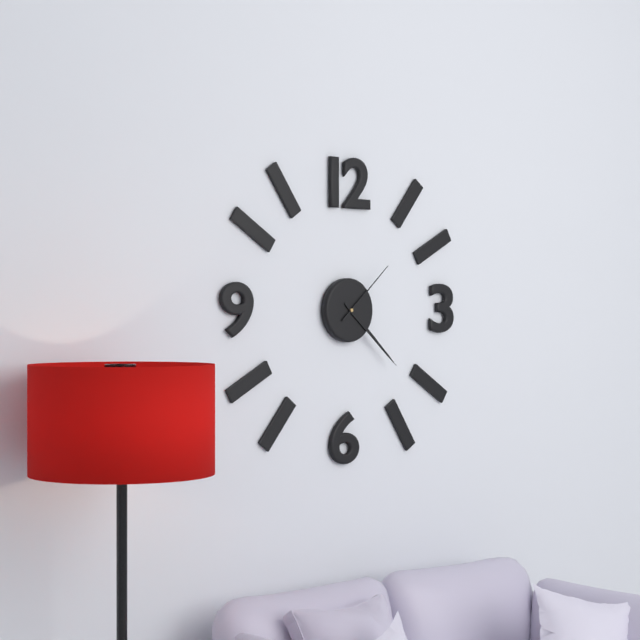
4:22:08
